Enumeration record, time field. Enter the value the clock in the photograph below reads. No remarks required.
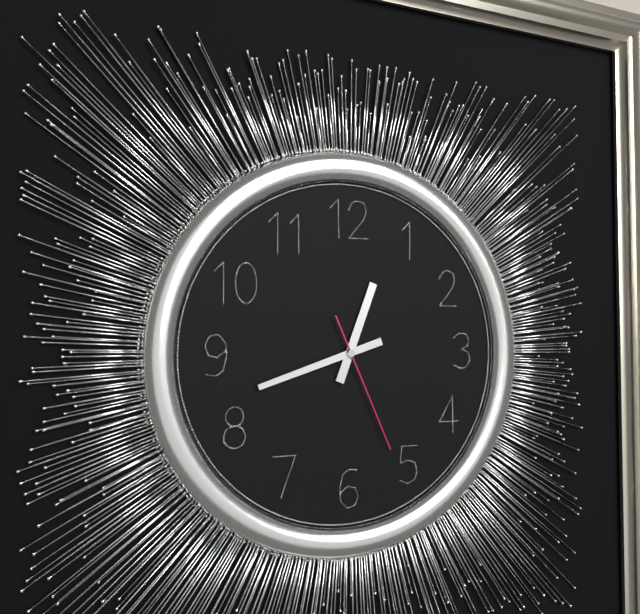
12:42:26
